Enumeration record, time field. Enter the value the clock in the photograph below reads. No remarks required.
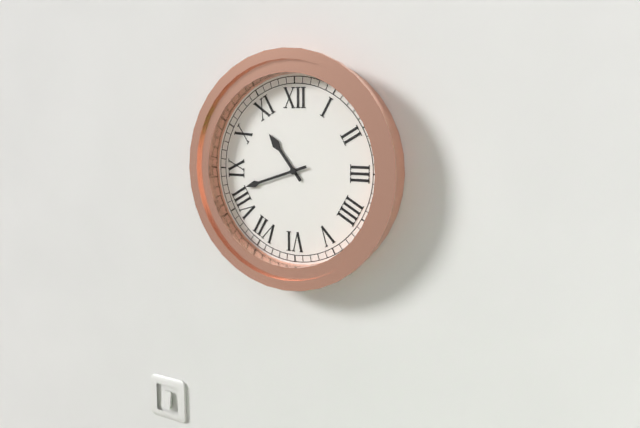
10:42
